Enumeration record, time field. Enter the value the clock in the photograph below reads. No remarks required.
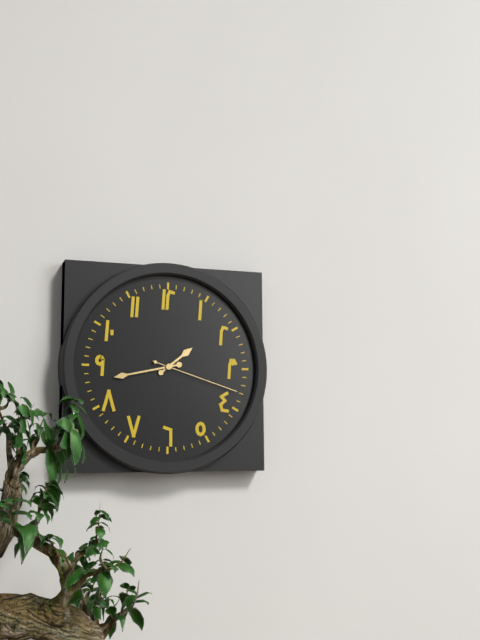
1:43:18
